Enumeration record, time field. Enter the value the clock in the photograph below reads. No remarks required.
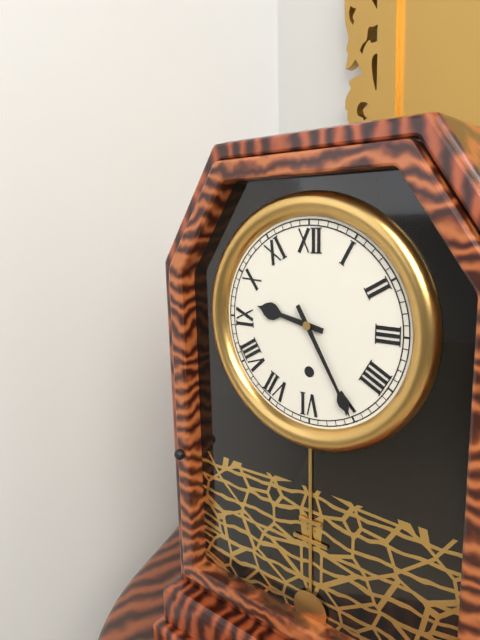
9:25
